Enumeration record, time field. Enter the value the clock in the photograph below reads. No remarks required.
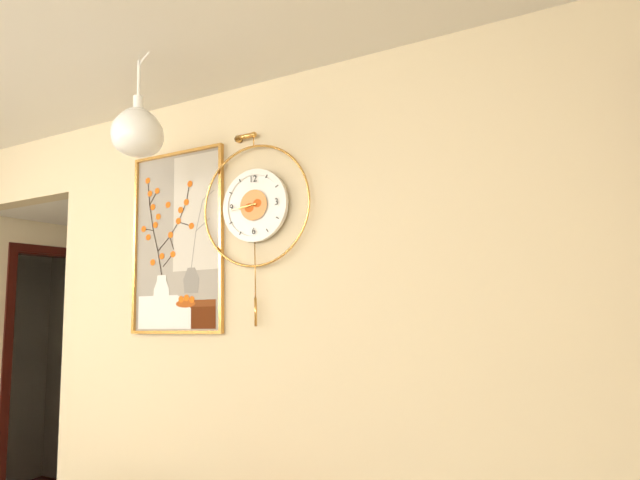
8:44
